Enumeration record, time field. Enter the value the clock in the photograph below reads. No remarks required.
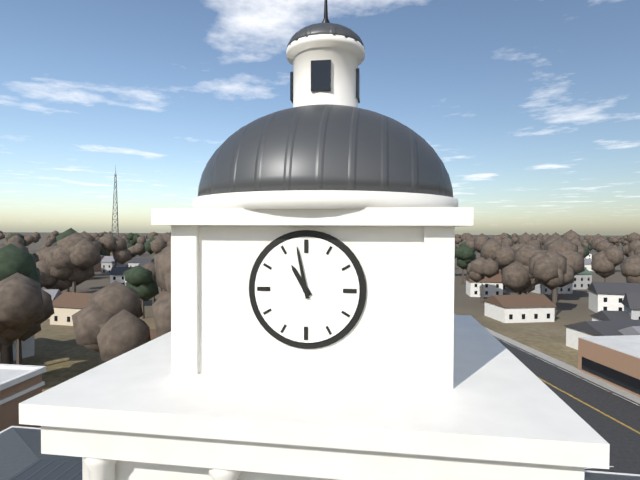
10:58
